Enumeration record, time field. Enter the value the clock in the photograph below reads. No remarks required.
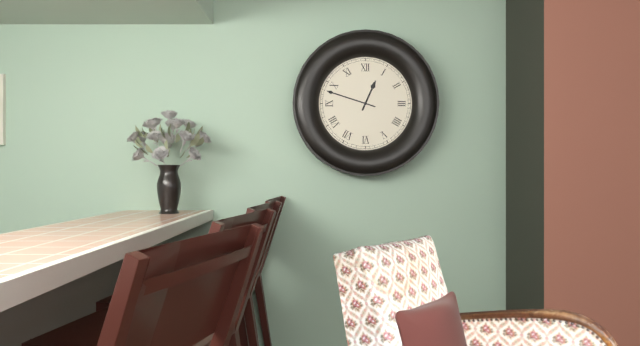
12:48
